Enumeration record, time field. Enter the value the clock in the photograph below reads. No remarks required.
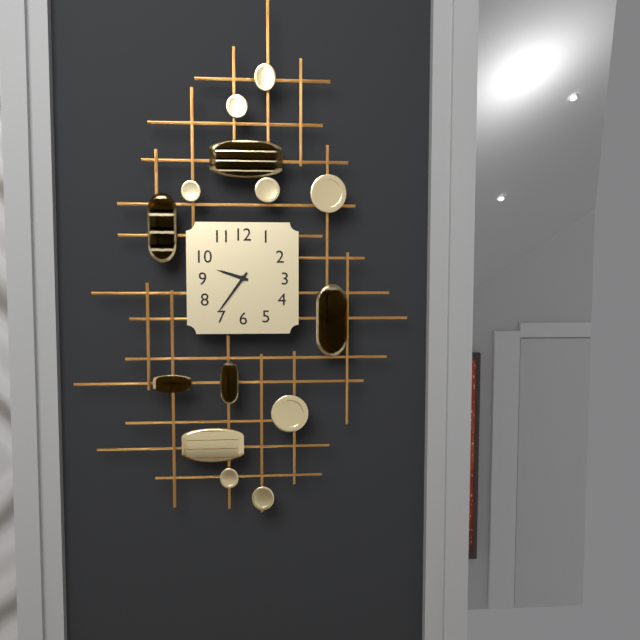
9:36
